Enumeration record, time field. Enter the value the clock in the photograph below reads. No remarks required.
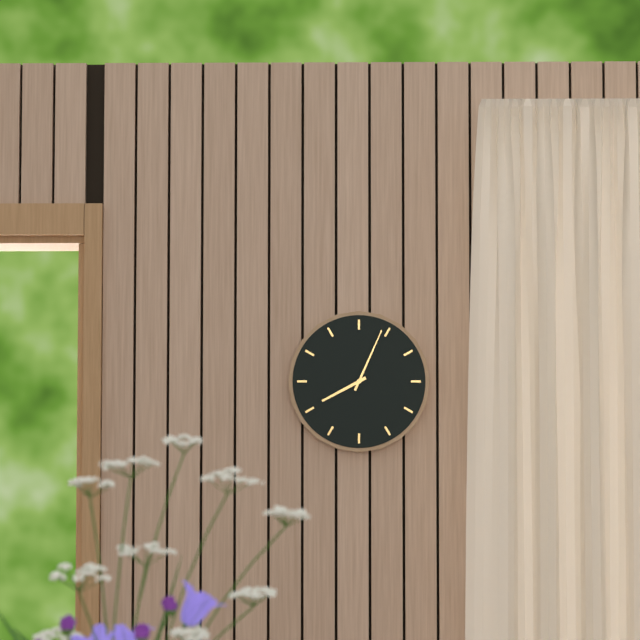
8:04
